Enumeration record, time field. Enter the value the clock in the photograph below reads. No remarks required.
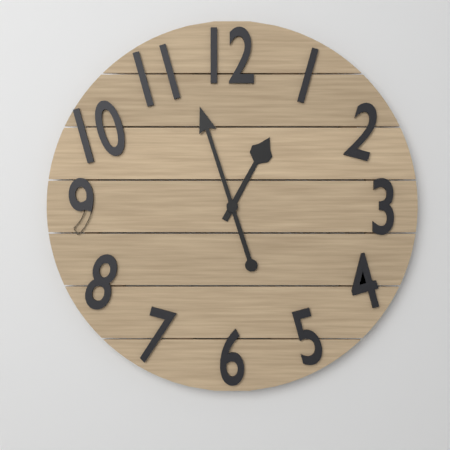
12:57
